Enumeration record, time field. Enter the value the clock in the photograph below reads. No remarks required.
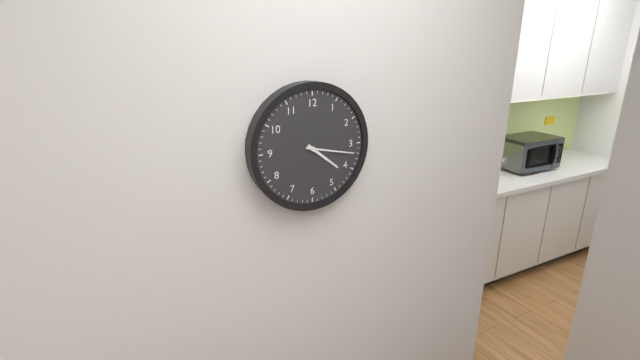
4:17
